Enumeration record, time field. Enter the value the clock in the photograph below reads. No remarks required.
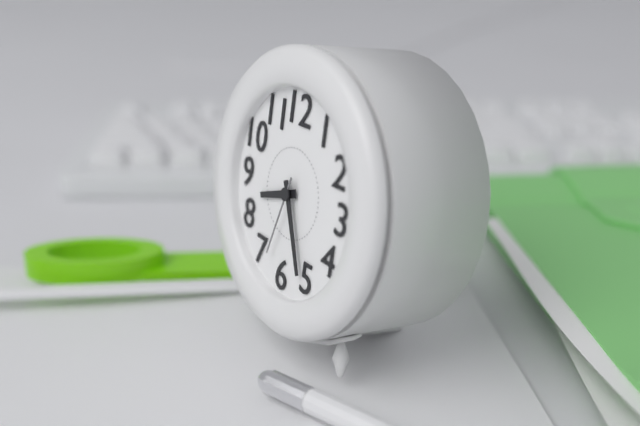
8:26:33
